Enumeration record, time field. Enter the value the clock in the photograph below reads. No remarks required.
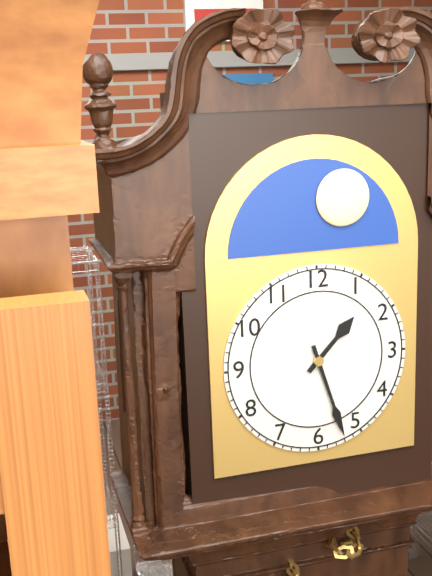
1:27
